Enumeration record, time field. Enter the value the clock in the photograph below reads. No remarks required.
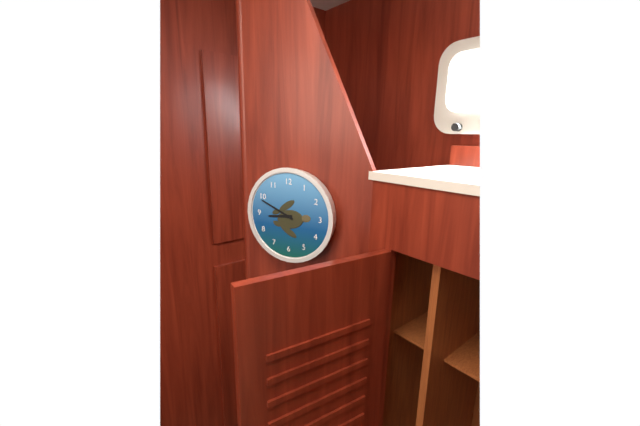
8:49
